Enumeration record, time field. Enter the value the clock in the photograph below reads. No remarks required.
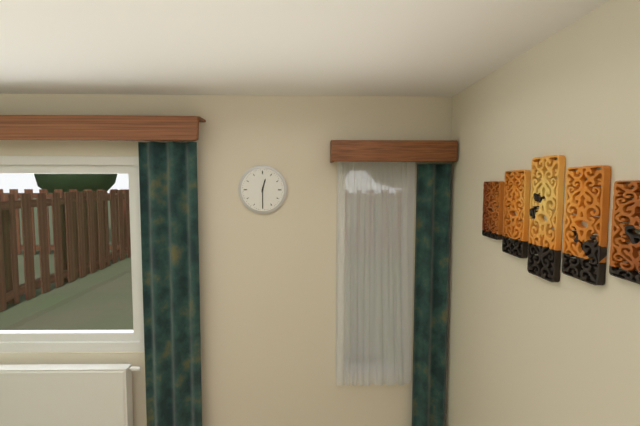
12:30
